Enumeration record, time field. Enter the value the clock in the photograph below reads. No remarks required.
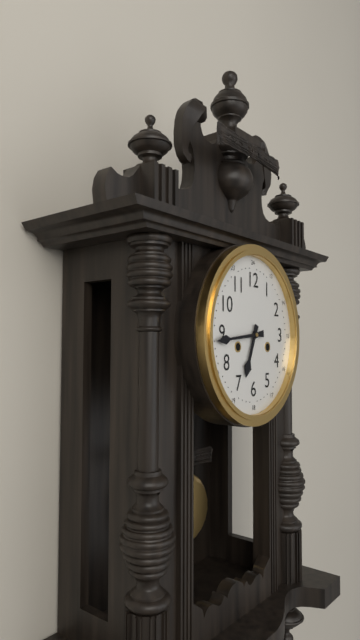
6:44
